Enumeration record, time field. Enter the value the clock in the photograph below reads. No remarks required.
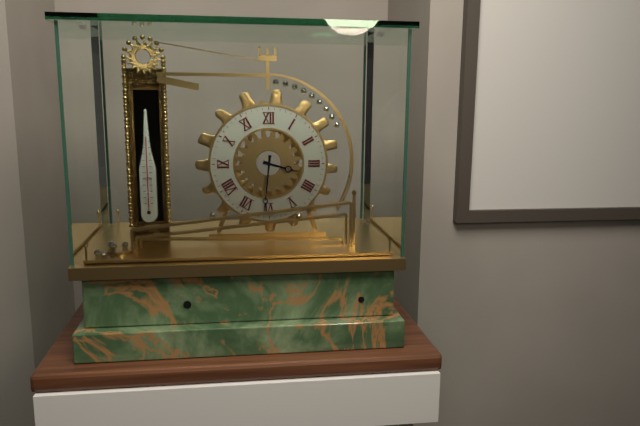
3:31
